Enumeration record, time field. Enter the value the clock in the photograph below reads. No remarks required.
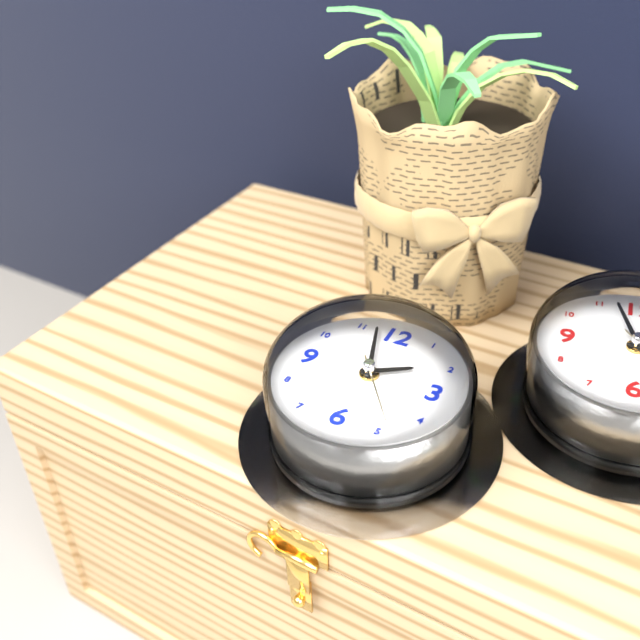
1:57:24
